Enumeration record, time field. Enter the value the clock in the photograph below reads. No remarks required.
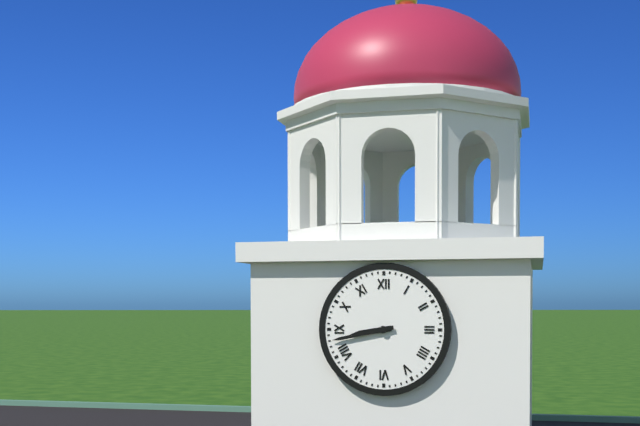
8:43
